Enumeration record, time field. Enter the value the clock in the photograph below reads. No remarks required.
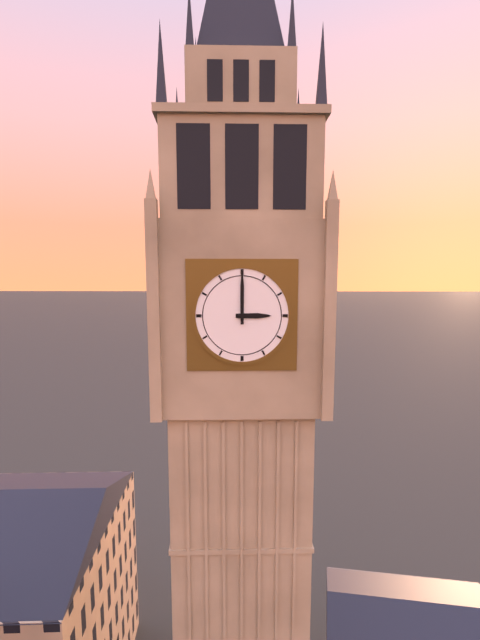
3:00
